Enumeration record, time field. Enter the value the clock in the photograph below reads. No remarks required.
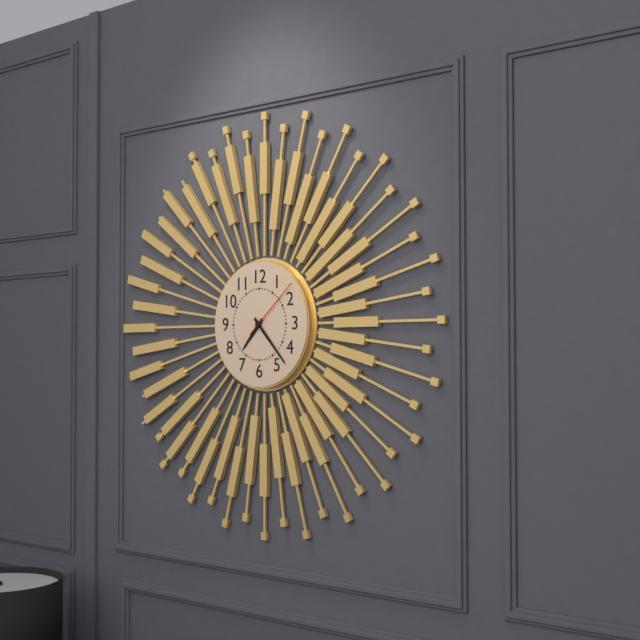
7:23:08
